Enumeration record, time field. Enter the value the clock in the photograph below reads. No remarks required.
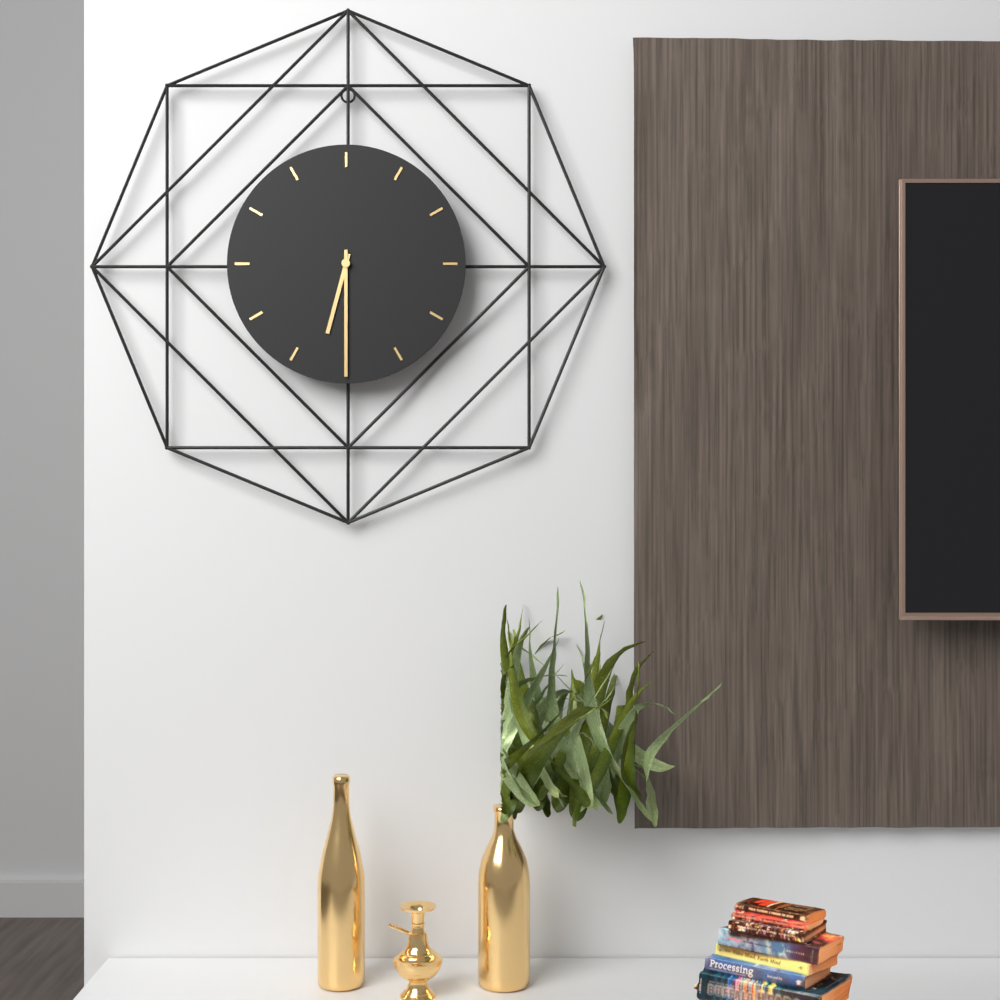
6:30
